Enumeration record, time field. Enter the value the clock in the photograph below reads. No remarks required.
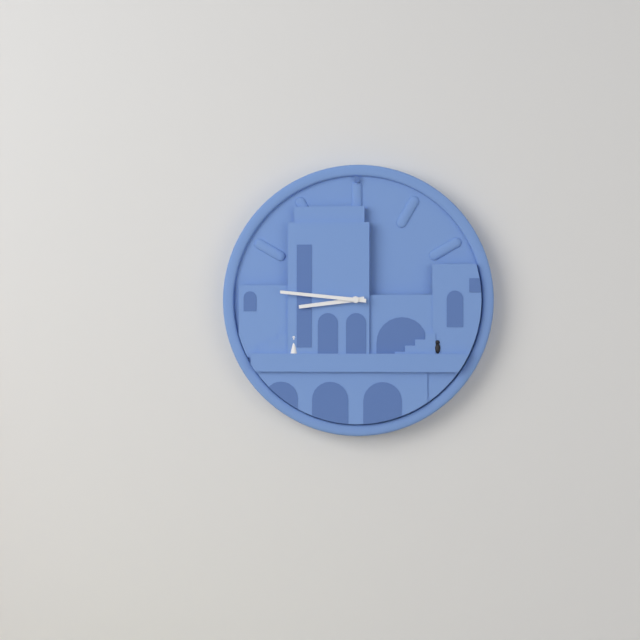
8:46
